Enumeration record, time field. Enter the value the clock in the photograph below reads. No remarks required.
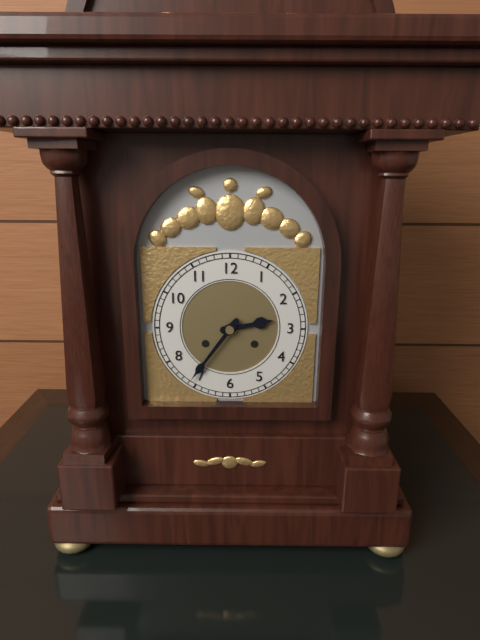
2:36
